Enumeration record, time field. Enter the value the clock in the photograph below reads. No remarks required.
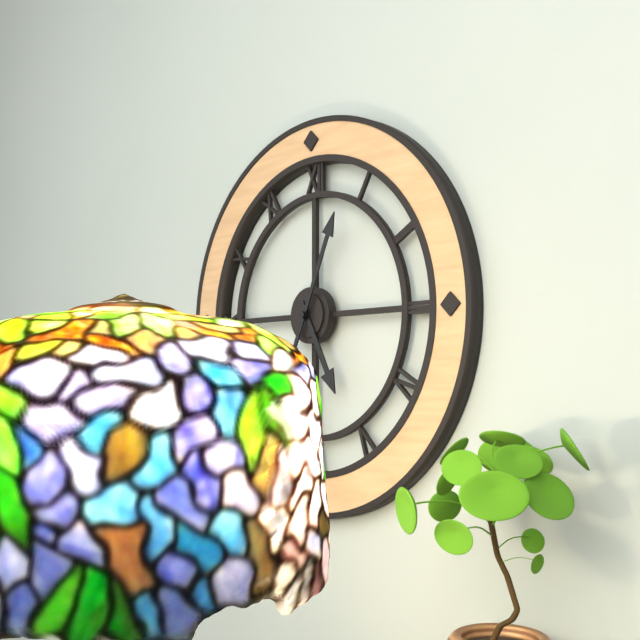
5:04
